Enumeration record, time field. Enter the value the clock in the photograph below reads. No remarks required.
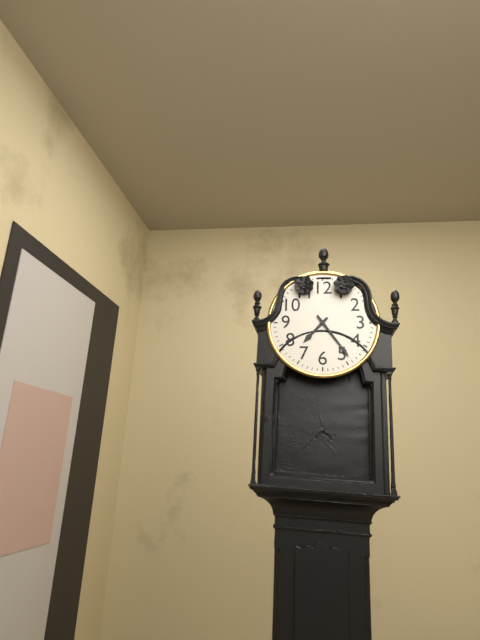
7:24
